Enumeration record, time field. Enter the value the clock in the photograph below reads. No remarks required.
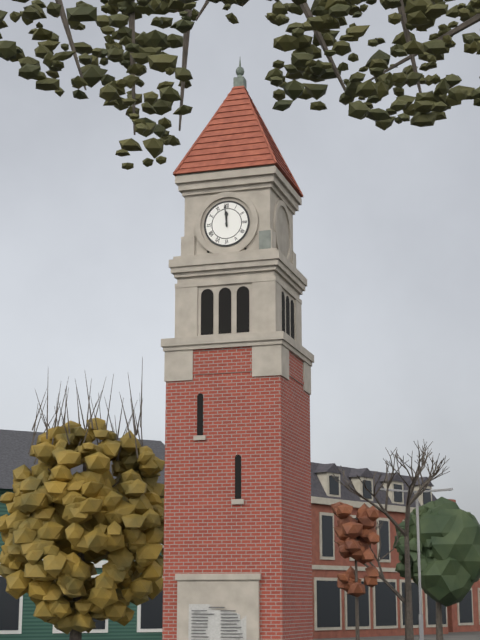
11:59
